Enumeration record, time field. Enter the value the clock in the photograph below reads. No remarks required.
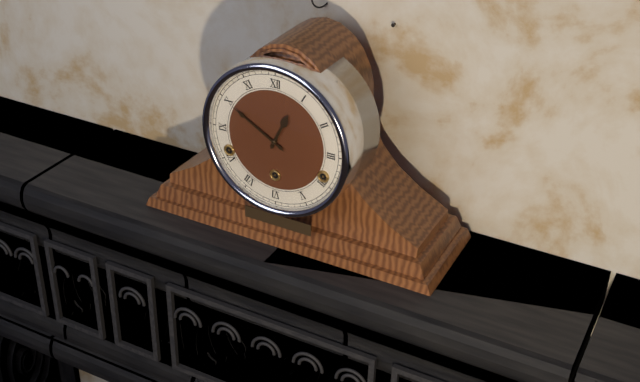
12:50
